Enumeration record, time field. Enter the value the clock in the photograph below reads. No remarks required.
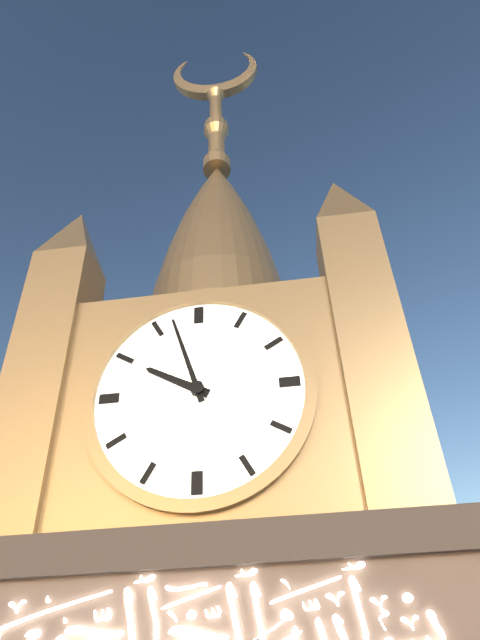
9:57
